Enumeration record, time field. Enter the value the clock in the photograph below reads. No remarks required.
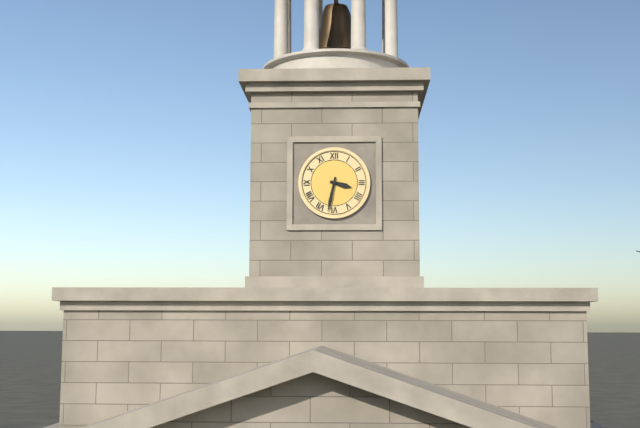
3:32
